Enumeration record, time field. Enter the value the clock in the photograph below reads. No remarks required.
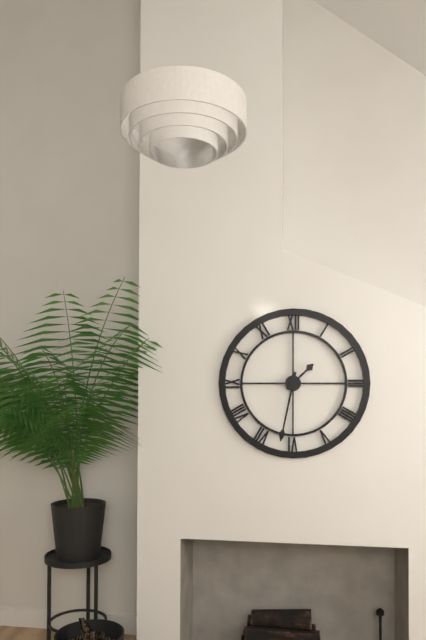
1:32
